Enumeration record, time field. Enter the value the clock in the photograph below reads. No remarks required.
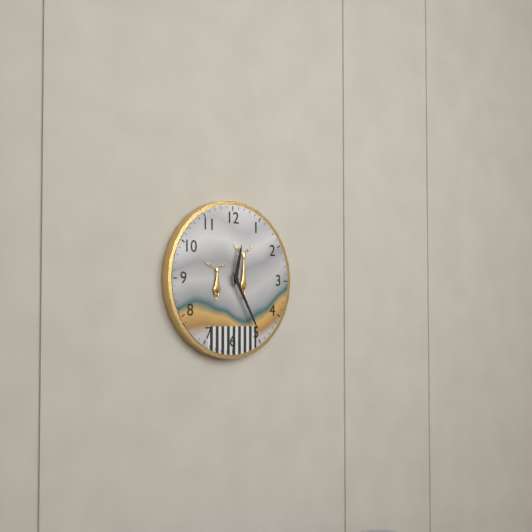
12:25
